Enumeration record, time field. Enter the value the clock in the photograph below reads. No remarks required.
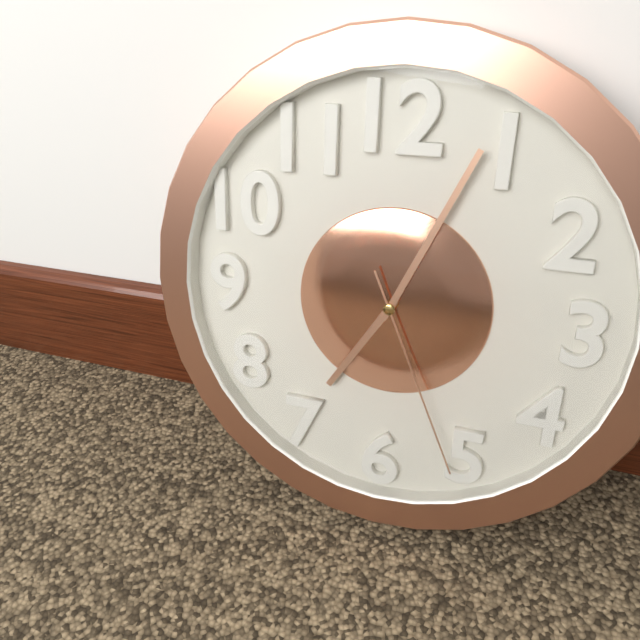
7:04:26
